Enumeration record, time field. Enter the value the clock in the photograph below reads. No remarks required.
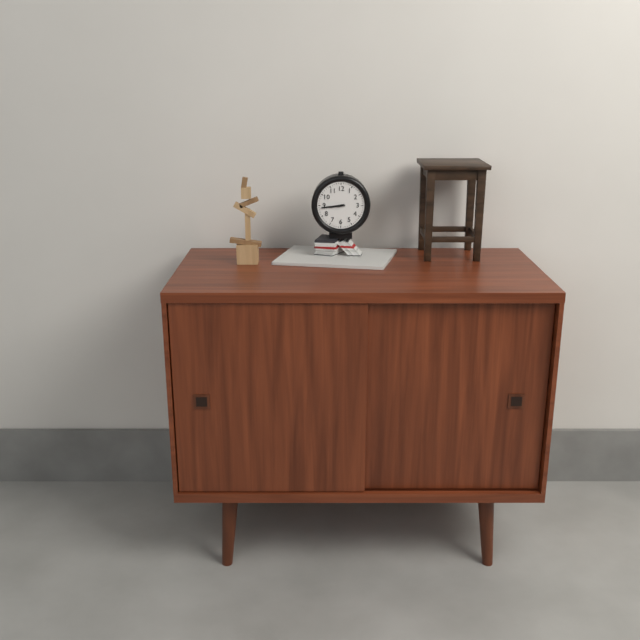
8:44
